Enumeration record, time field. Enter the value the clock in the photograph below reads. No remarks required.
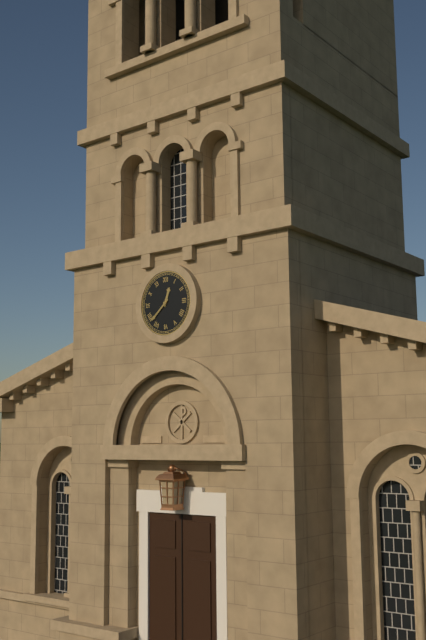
12:38
